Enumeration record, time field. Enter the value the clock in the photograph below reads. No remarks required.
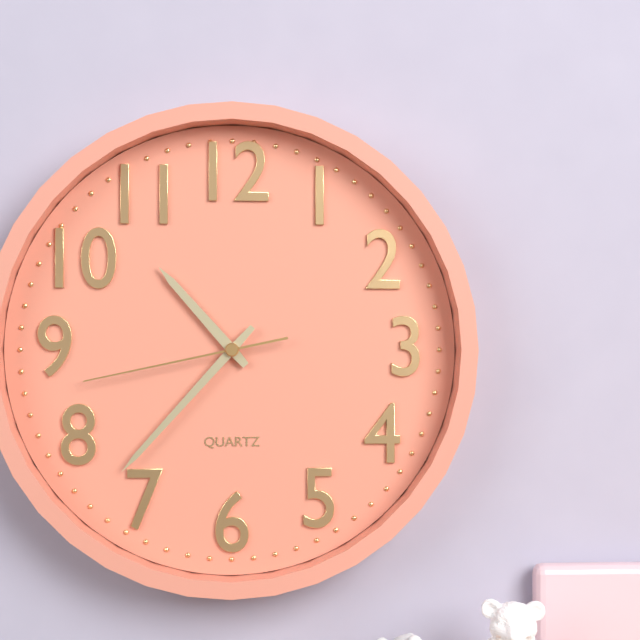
10:37:43
